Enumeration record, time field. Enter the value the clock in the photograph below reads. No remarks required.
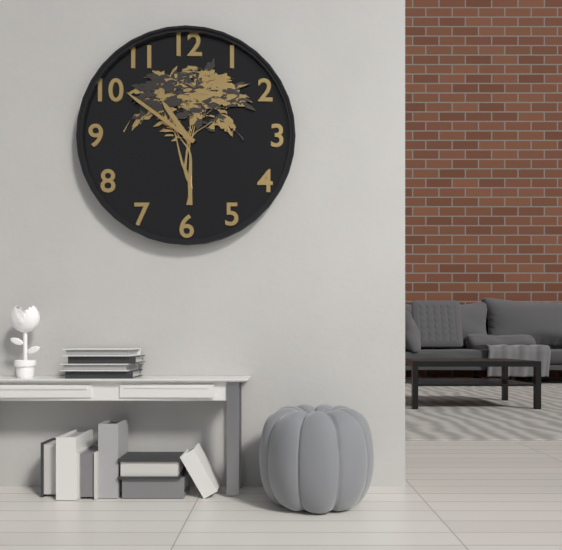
10:51
